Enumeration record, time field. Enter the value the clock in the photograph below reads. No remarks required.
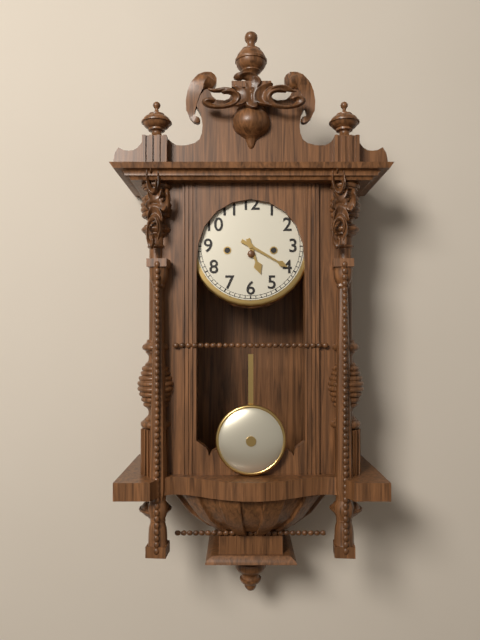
5:20
